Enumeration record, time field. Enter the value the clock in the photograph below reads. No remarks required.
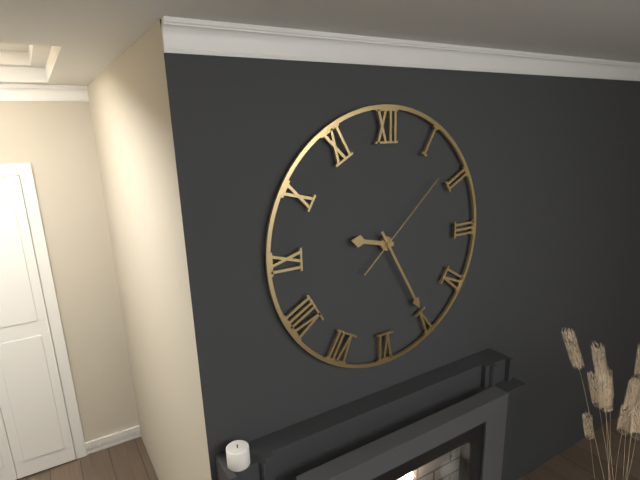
9:25:08
